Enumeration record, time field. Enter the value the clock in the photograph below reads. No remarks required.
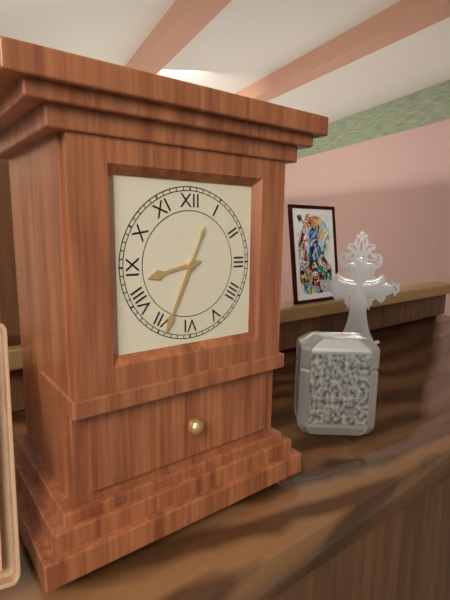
8:34
